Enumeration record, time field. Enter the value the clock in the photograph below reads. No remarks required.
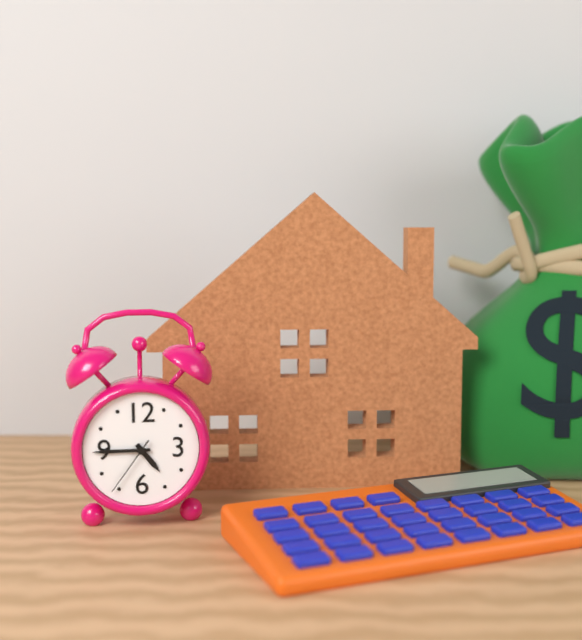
4:45:36
